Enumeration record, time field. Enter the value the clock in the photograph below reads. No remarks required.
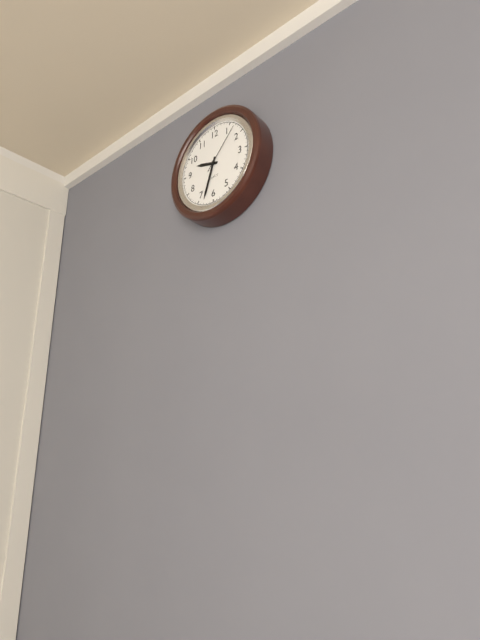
9:33:07
